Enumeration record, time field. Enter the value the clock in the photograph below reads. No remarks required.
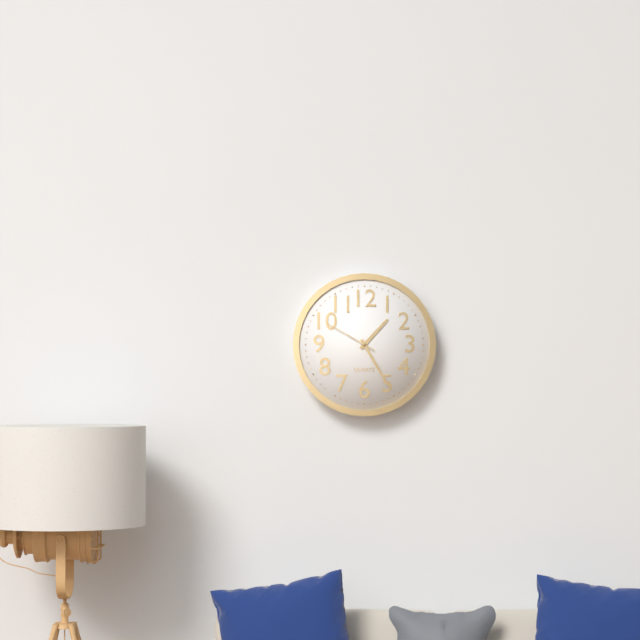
1:25:50
